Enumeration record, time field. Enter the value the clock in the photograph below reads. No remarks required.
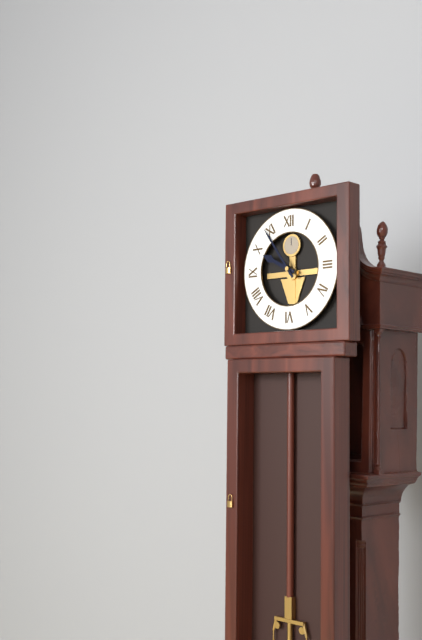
9:54
